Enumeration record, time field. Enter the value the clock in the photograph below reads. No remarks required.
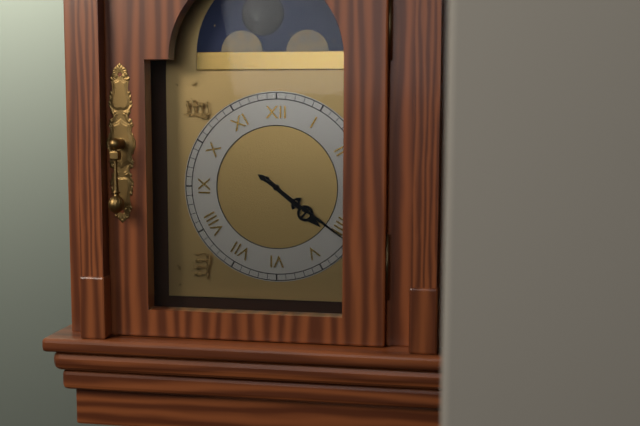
4:21
